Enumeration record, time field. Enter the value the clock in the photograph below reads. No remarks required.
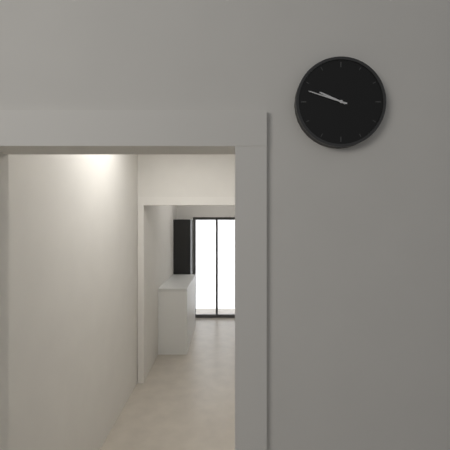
9:48
